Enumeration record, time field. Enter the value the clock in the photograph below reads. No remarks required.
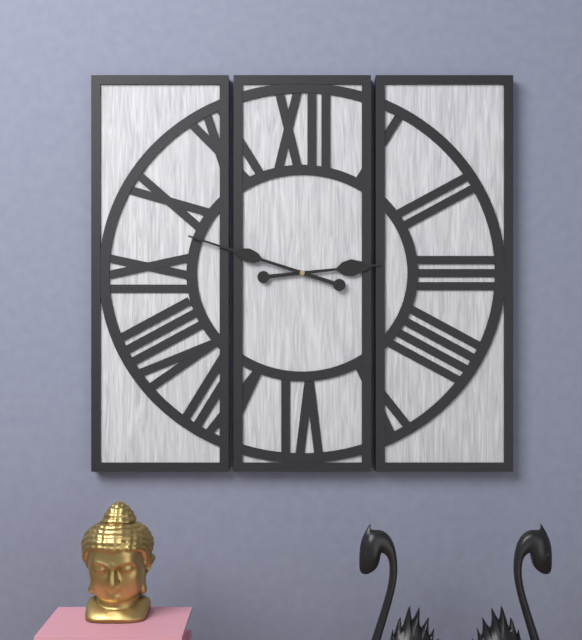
2:48
